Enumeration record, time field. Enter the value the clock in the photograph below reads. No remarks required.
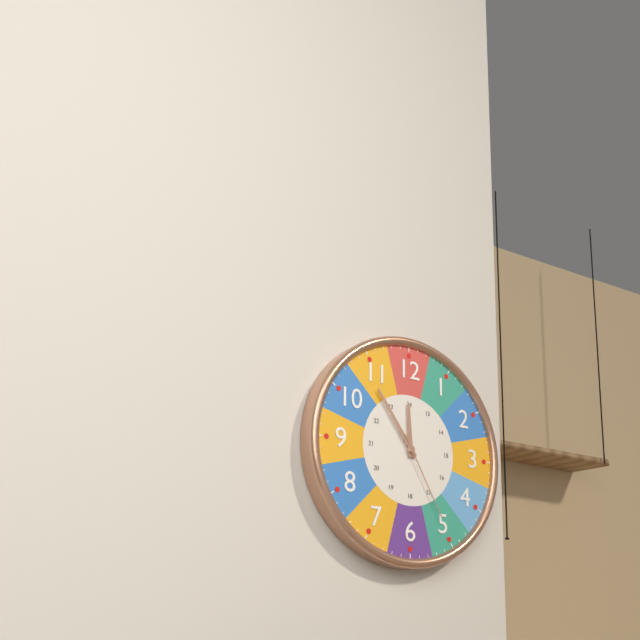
11:54:25
